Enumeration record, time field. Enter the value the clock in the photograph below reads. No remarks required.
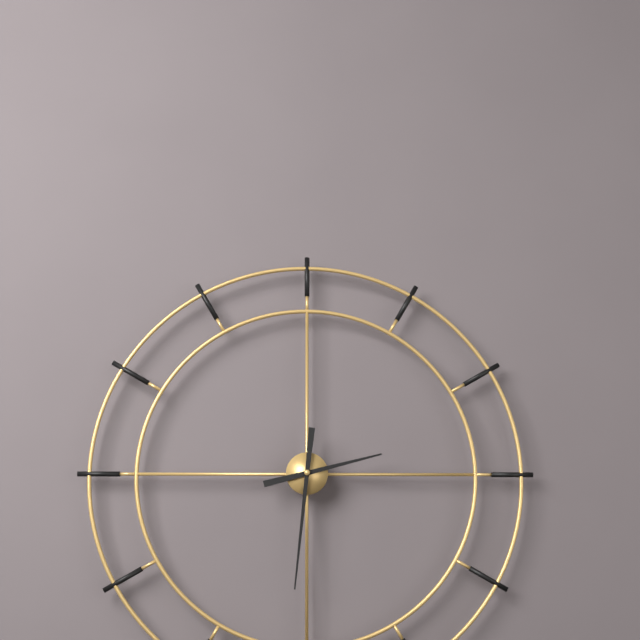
2:31
